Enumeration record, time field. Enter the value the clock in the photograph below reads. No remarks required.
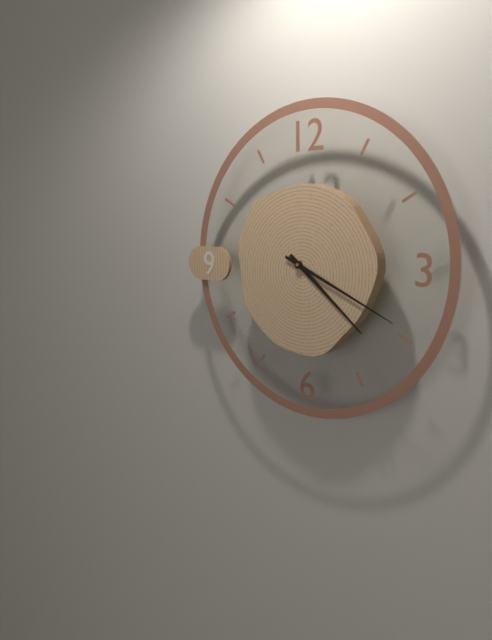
4:19
